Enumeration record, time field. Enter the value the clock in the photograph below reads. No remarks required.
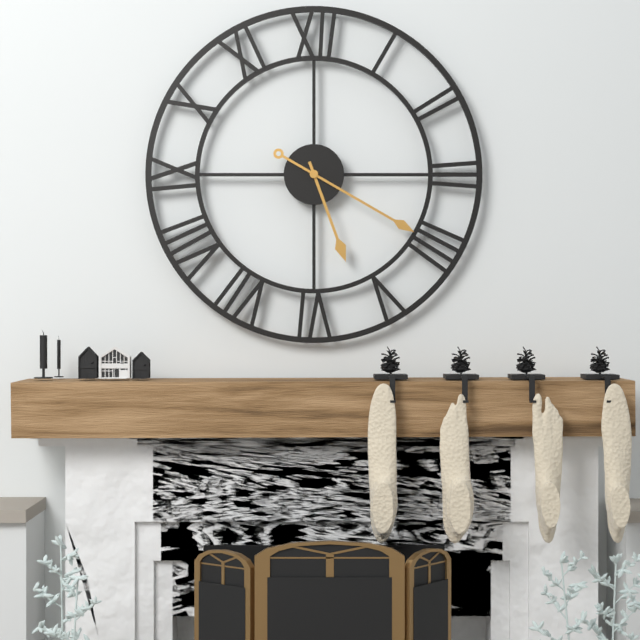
5:20
